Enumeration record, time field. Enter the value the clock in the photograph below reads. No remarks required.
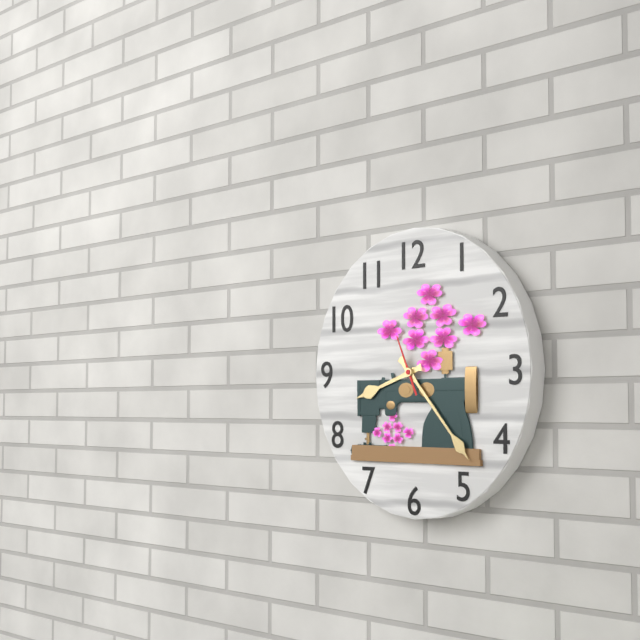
8:23
